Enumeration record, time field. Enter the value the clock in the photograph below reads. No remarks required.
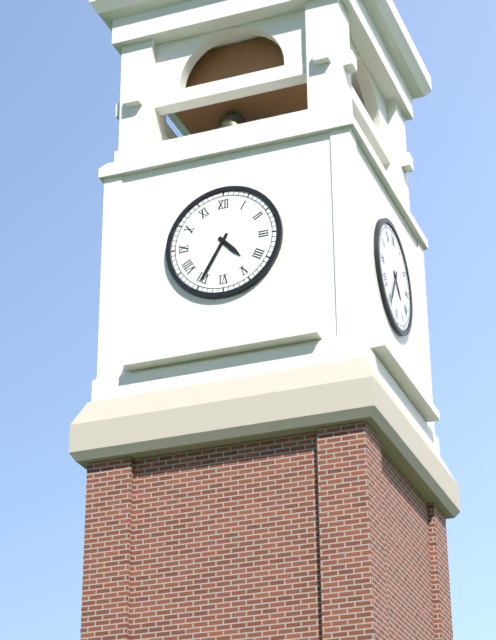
4:35
